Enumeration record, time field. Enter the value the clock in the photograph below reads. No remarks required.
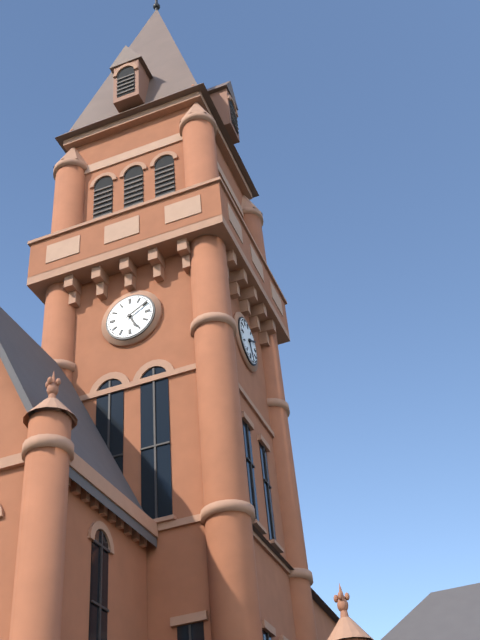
5:10
